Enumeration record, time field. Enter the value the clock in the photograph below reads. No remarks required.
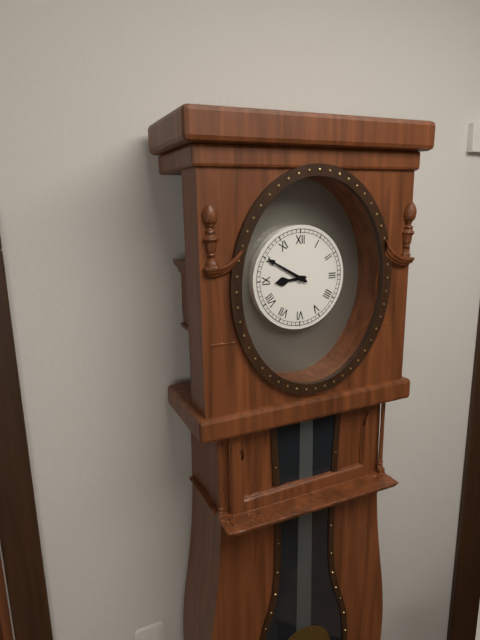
8:50
